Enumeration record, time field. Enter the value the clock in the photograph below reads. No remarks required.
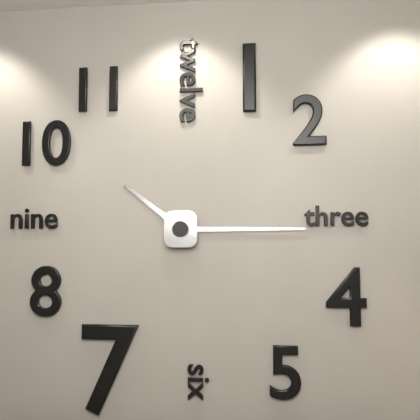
10:15
